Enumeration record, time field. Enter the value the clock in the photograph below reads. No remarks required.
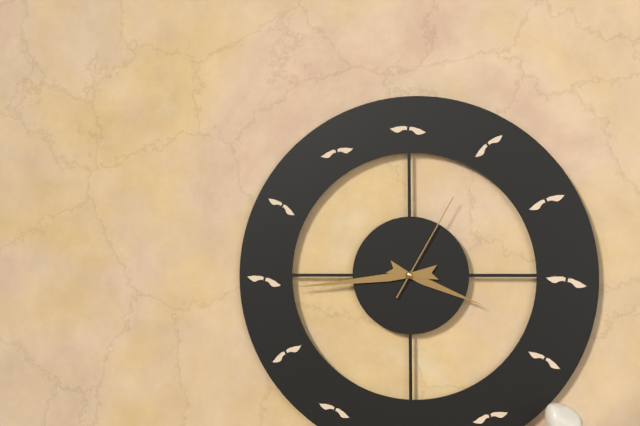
3:44:05
